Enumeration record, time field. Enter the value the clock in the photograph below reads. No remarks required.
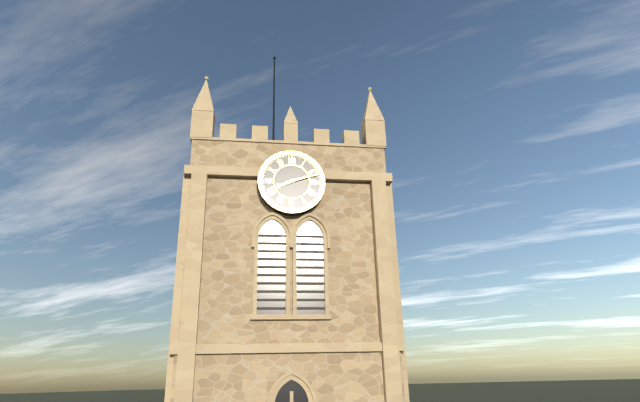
8:12
